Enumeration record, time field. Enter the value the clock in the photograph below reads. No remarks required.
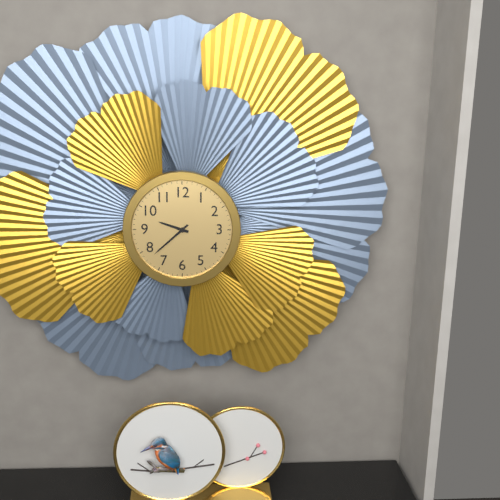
9:38
